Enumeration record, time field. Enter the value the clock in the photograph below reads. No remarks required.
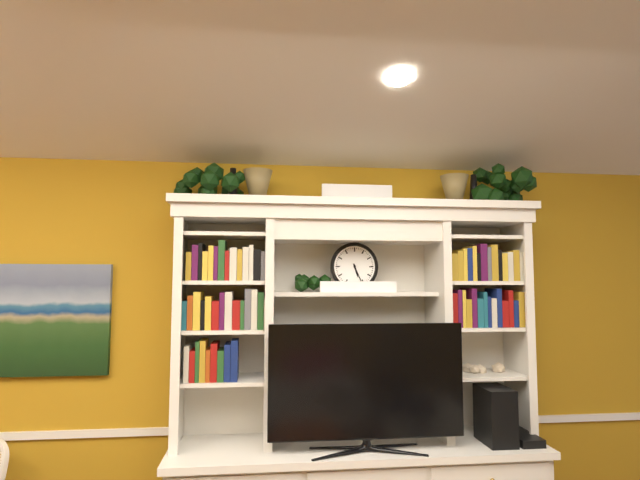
5:26
